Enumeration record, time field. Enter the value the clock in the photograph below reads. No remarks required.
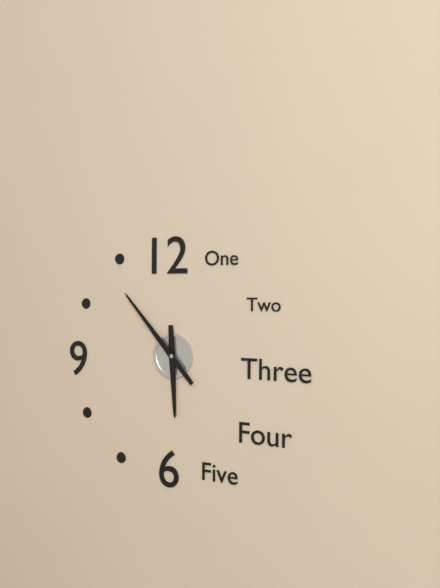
5:53
